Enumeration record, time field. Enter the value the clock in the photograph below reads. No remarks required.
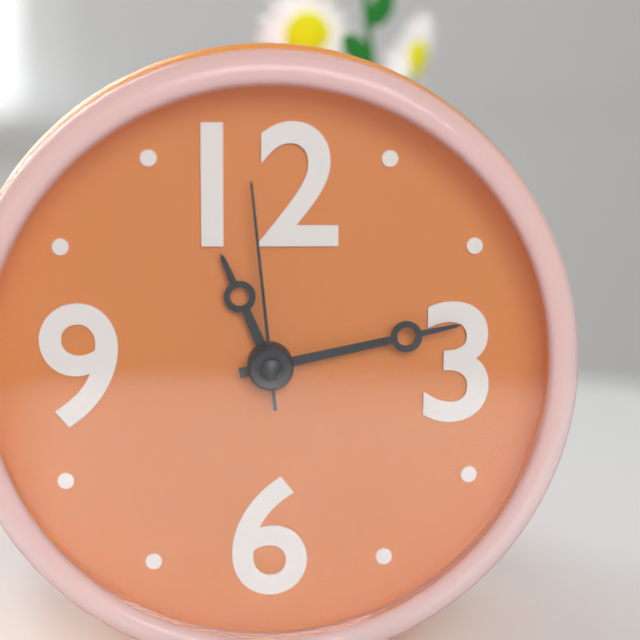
11:13:59
